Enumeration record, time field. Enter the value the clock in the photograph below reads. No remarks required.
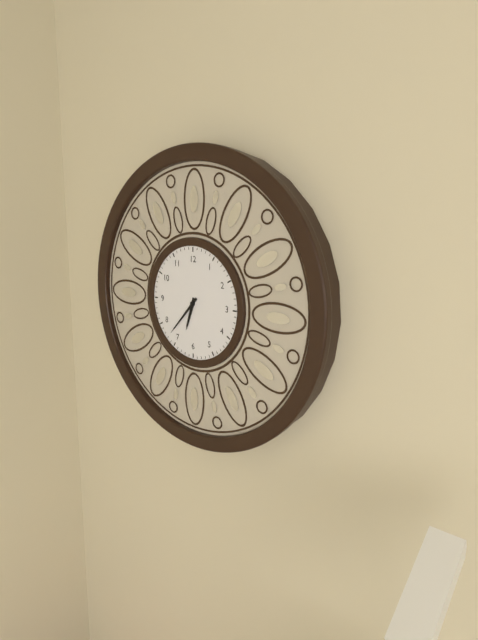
6:37
